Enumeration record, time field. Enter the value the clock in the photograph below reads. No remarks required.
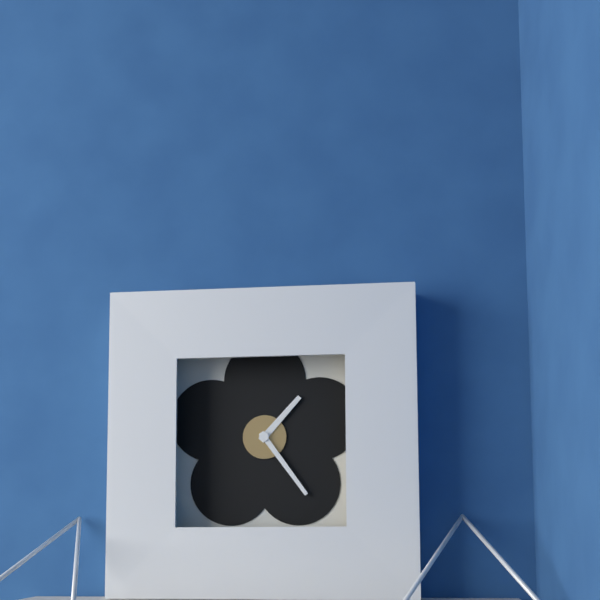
1:24
